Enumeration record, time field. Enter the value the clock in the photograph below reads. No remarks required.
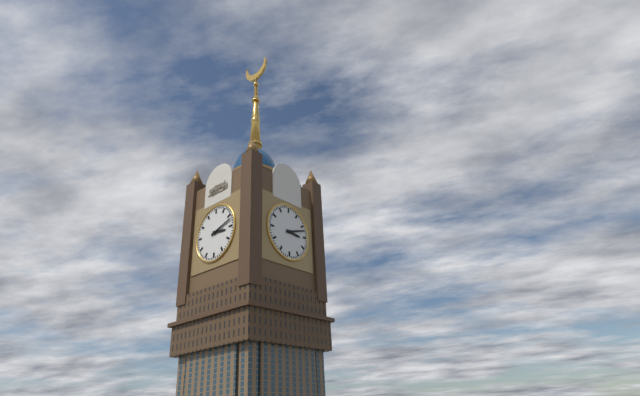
3:12
